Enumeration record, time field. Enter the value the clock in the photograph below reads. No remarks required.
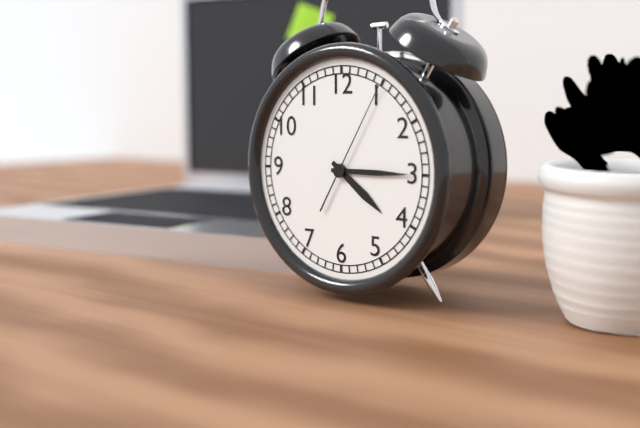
4:15:05
